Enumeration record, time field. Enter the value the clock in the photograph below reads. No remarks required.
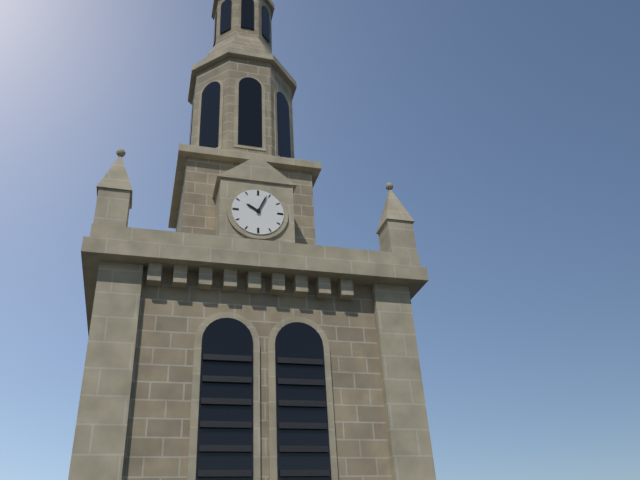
10:04
